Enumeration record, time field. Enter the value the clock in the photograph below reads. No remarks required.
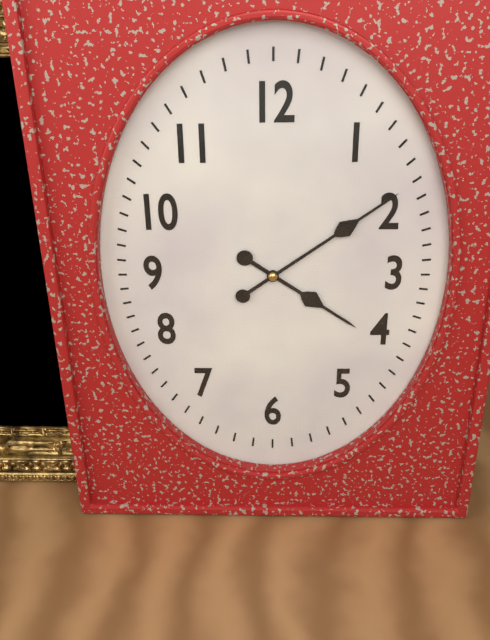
4:09
